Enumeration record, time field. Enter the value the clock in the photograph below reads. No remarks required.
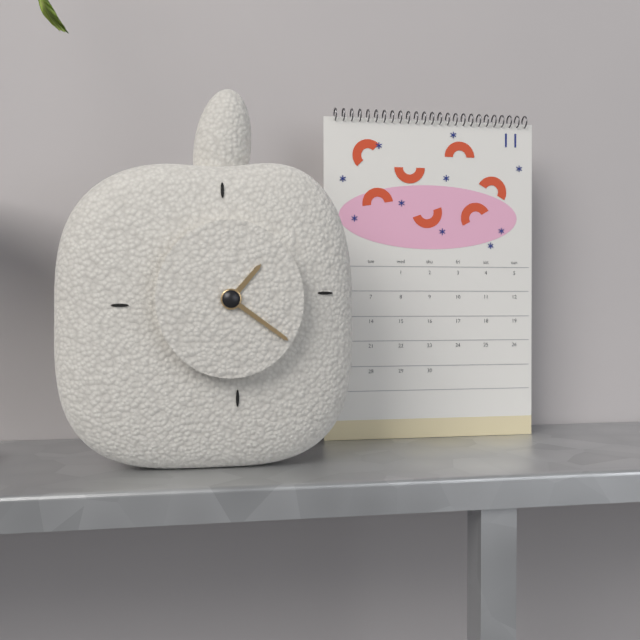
1:21
